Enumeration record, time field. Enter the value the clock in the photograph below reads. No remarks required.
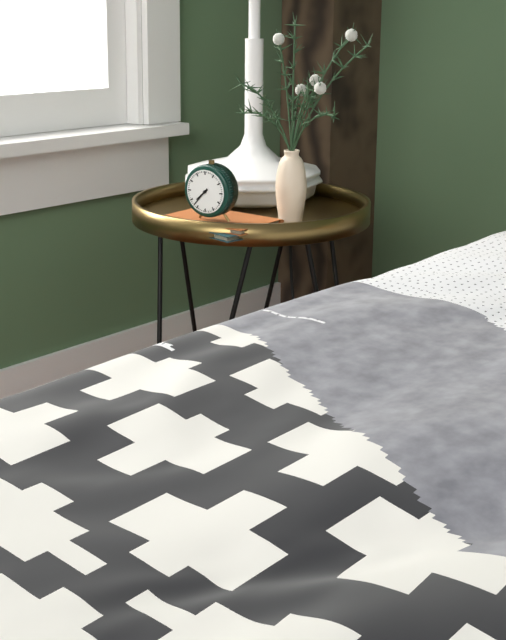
7:37
